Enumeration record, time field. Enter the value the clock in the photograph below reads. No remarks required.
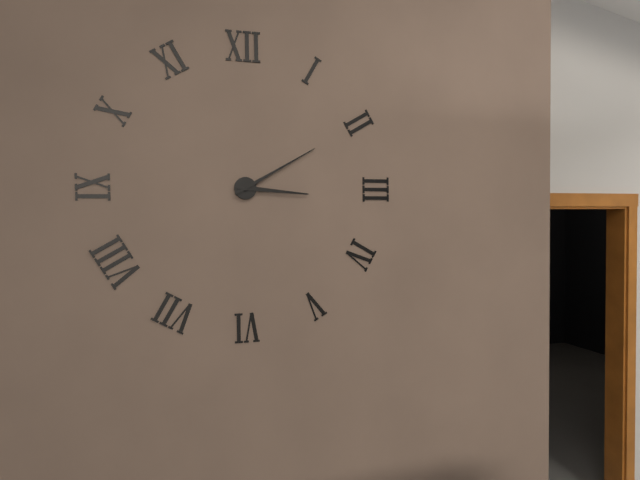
3:10
